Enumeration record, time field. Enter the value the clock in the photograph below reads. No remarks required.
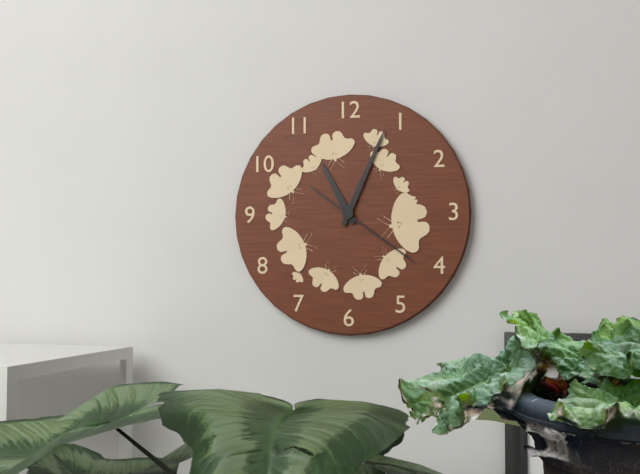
11:04:21
